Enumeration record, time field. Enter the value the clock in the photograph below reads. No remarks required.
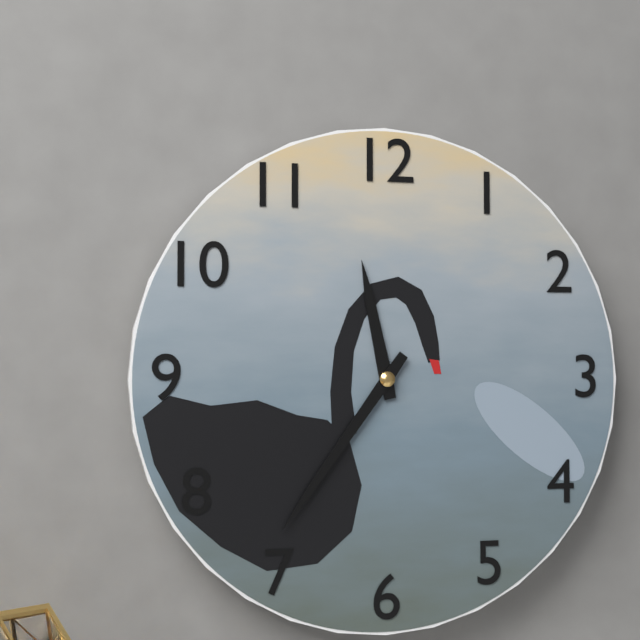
11:36
